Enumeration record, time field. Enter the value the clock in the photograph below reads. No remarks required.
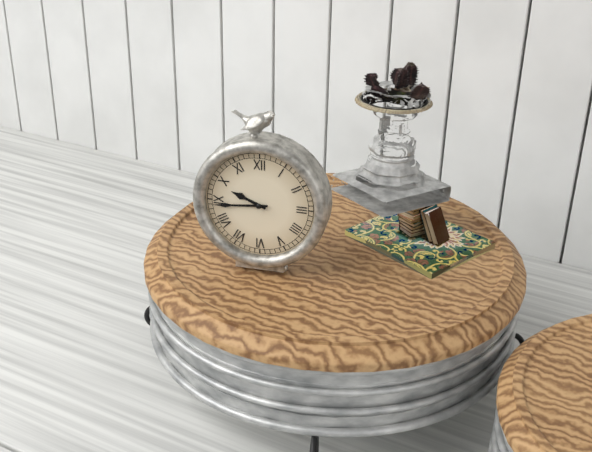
9:44
